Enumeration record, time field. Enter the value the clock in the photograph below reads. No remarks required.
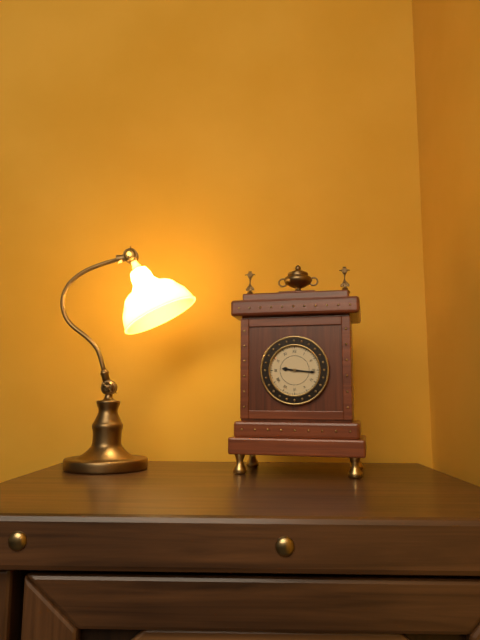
9:16
